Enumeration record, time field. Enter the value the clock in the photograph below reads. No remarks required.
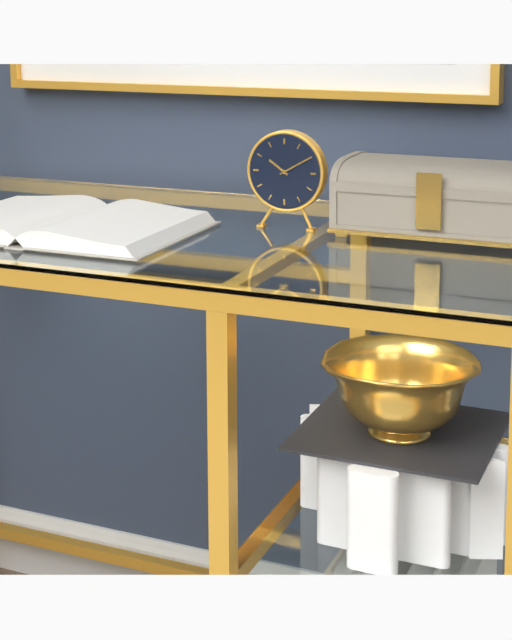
10:10
